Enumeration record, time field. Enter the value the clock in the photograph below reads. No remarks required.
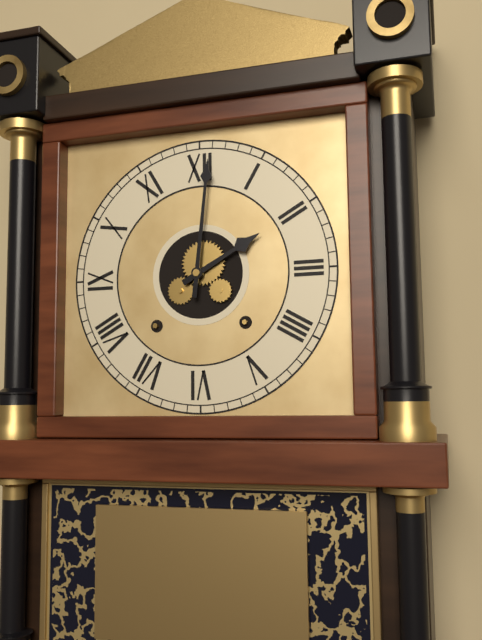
2:01
